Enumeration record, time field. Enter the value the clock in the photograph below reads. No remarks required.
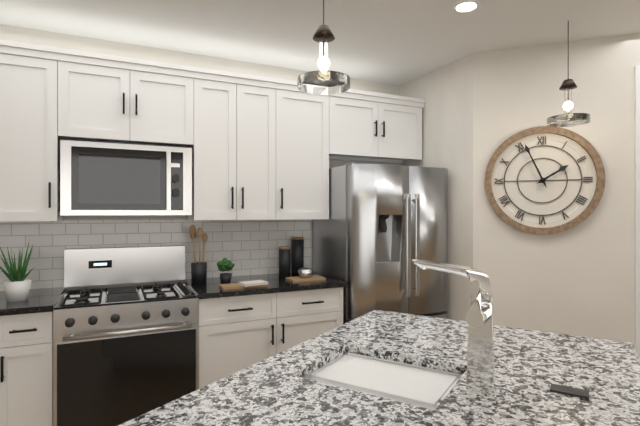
1:56
